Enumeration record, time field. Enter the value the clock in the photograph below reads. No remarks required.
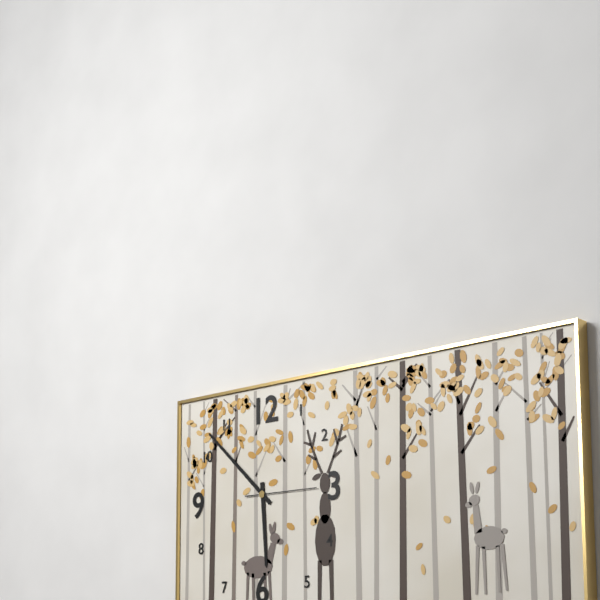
5:52:15
